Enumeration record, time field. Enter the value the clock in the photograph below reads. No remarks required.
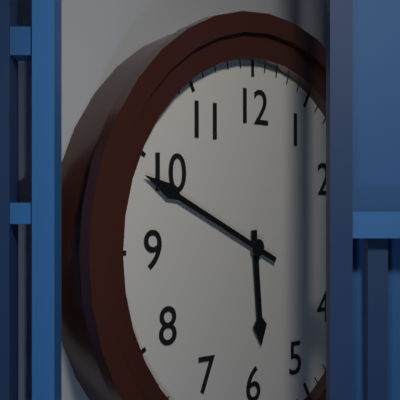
5:49
